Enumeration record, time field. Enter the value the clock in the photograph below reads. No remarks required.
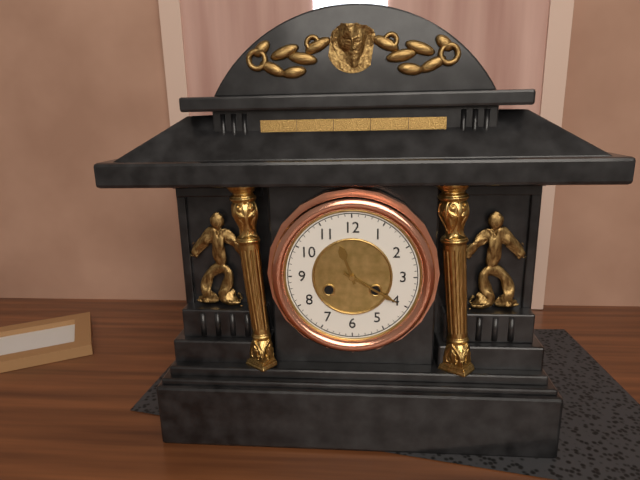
11:20
